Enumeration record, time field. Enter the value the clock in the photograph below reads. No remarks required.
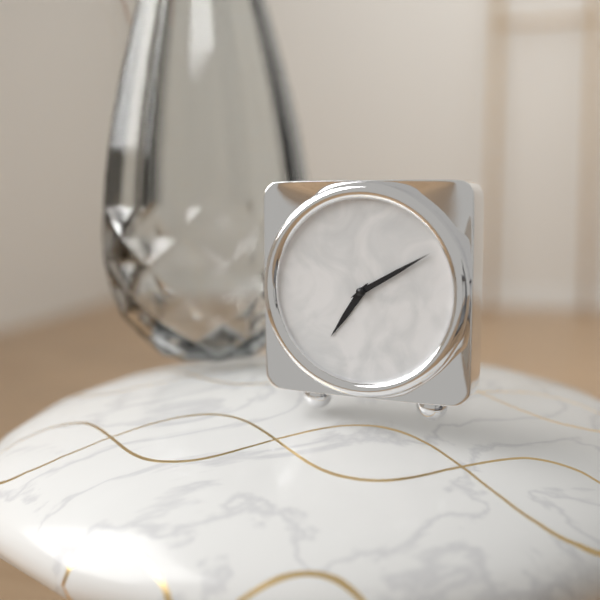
7:10
